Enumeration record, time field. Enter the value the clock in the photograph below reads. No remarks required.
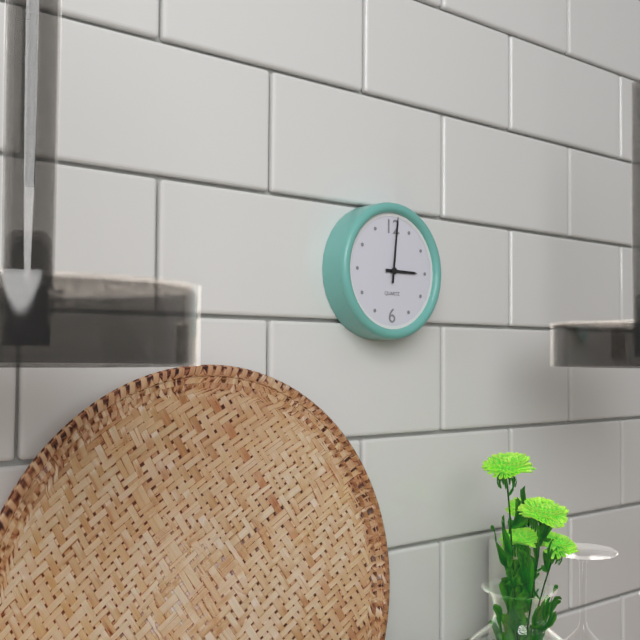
3:01
